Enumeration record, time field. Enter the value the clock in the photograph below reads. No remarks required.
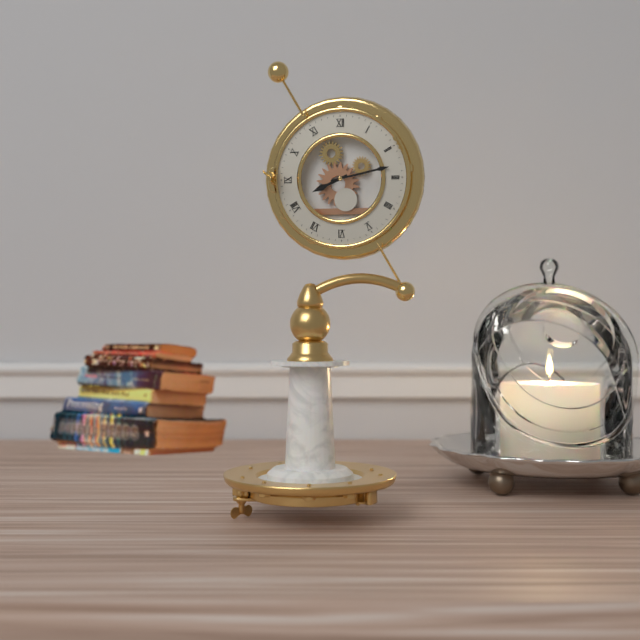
8:13
